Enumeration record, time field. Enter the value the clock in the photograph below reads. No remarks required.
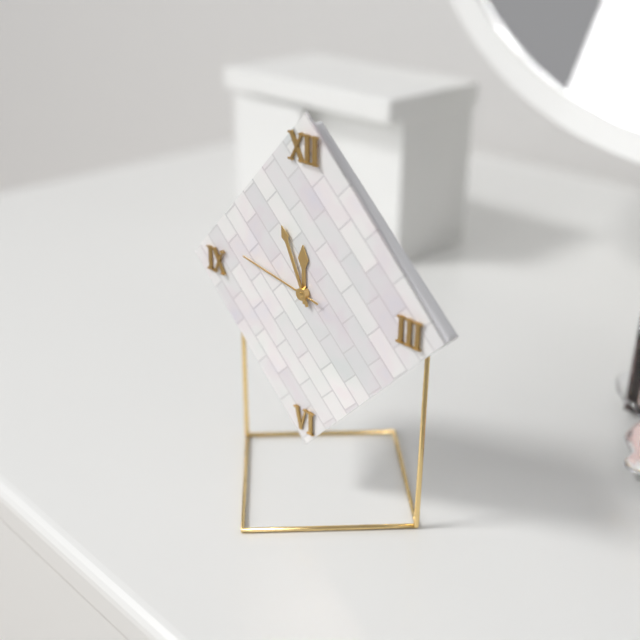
11:56:47
